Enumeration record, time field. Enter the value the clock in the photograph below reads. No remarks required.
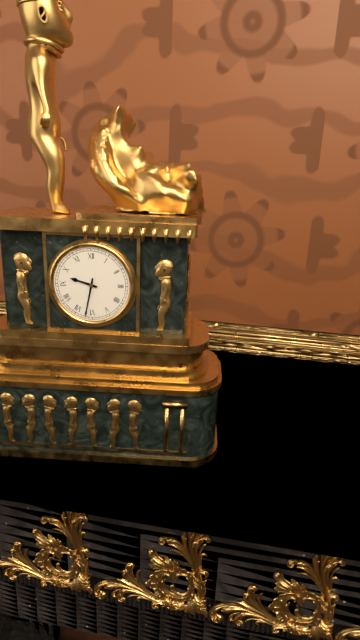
9:32
